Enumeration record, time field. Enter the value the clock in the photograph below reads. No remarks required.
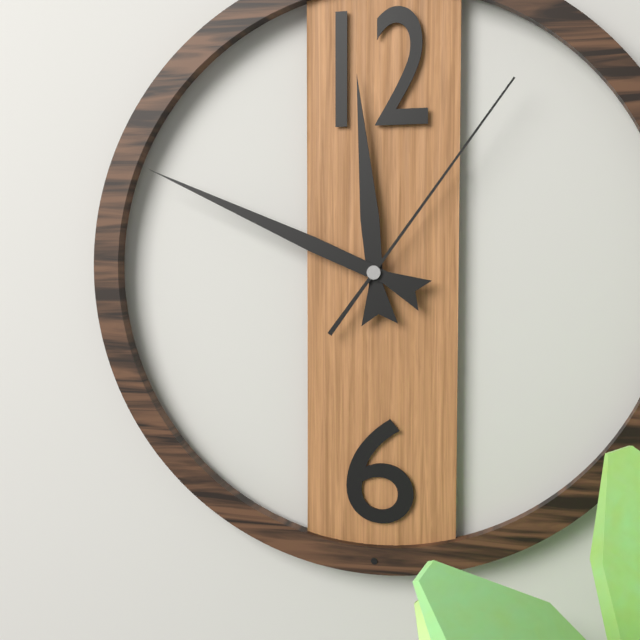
11:49:06
